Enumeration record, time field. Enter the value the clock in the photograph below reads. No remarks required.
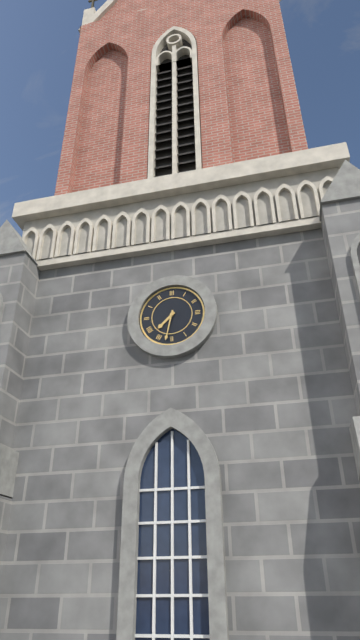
7:32
